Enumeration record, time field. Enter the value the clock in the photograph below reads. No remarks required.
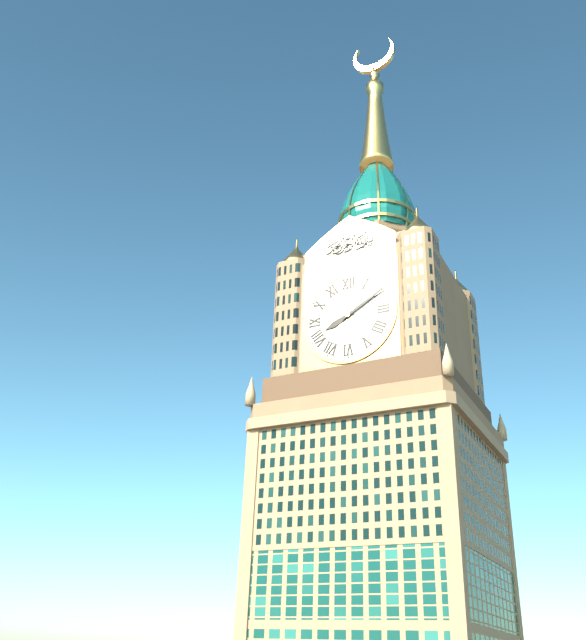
8:10
